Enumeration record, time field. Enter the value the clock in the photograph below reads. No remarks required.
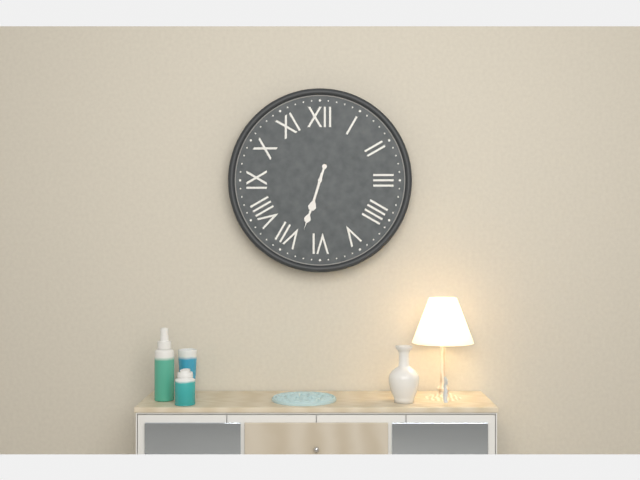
6:33
